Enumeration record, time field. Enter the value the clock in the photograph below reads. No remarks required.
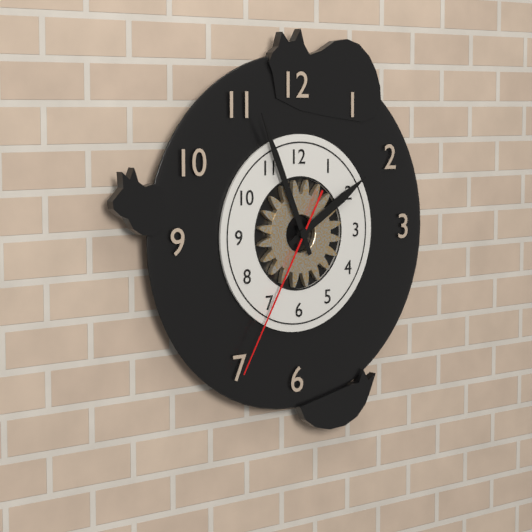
1:56:35
